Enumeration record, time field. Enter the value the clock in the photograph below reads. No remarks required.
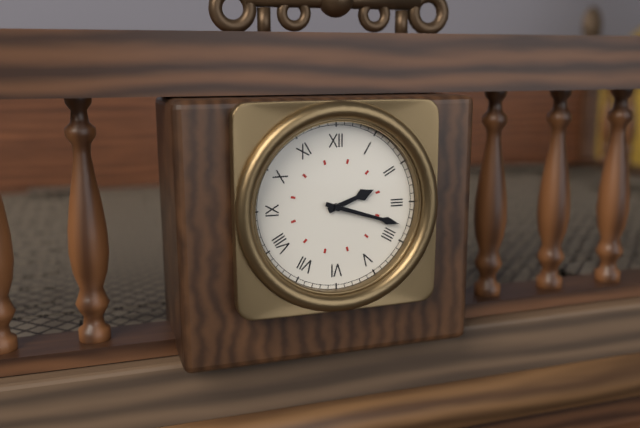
2:18
